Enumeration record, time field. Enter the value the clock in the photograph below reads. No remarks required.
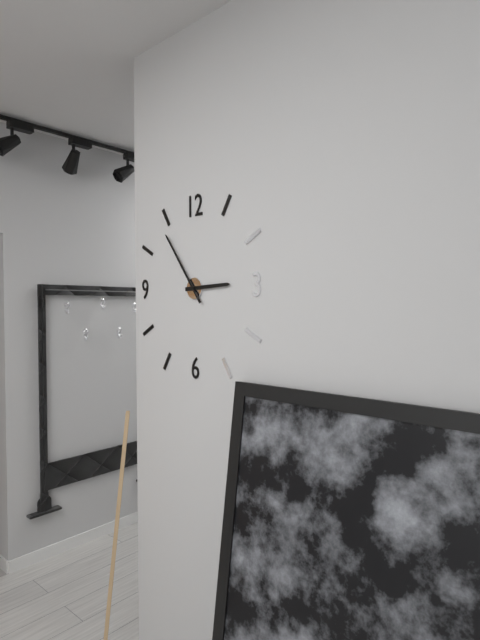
2:54
